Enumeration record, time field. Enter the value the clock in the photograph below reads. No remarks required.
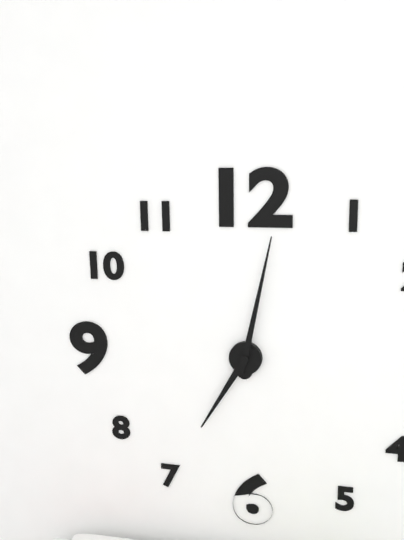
7:02
